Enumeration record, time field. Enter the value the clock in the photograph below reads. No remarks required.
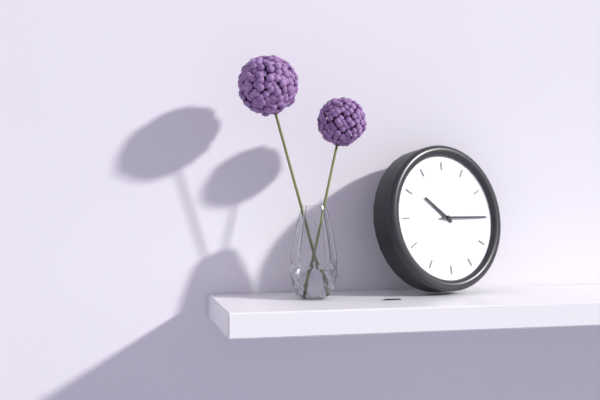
10:15
